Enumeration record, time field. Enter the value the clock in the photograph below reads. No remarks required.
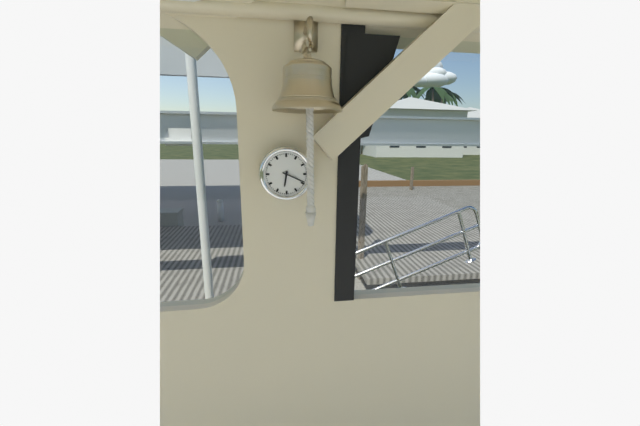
6:19
